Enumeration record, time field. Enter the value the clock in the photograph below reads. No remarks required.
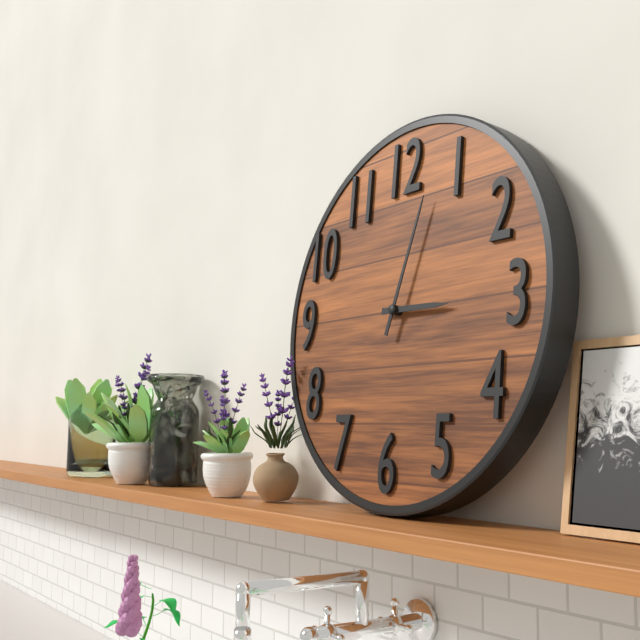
3:03
